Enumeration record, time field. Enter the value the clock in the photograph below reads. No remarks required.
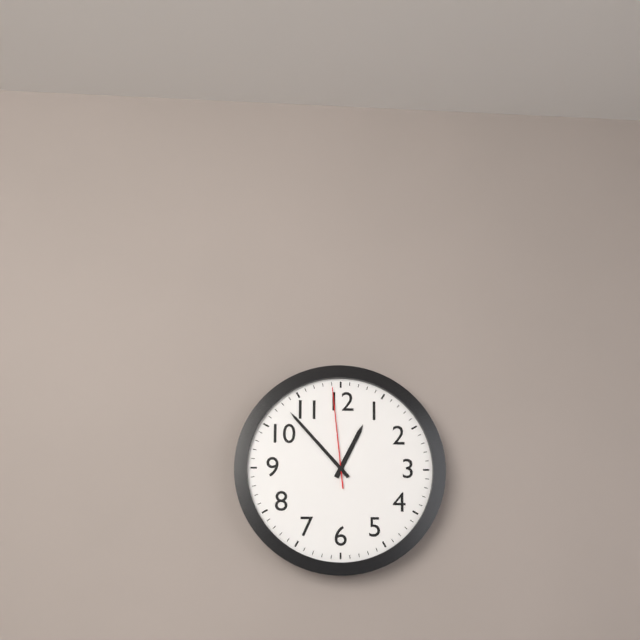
12:53:59
